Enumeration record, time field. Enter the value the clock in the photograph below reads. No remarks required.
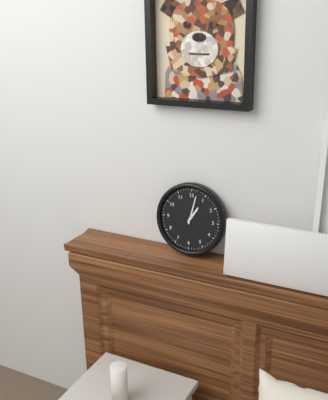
1:02
